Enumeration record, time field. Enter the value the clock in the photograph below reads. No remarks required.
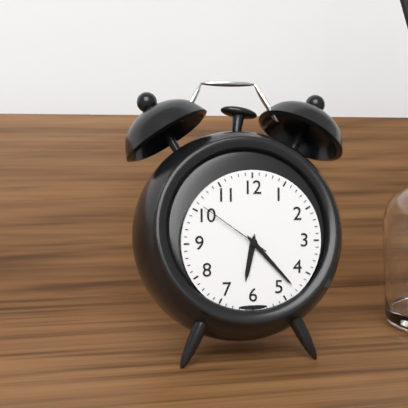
6:23:51
